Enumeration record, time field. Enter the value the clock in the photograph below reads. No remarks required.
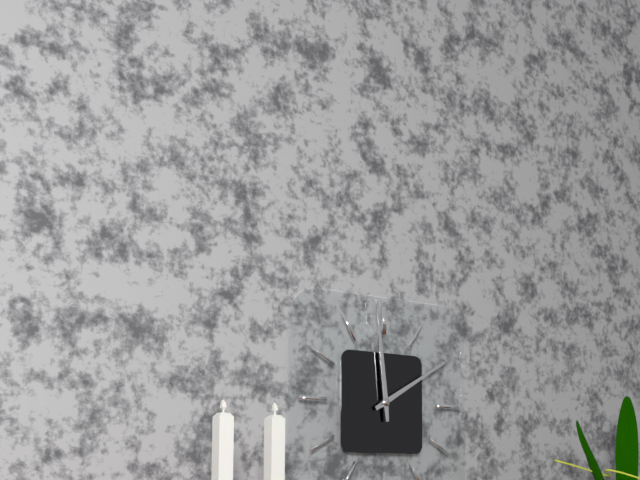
1:59
